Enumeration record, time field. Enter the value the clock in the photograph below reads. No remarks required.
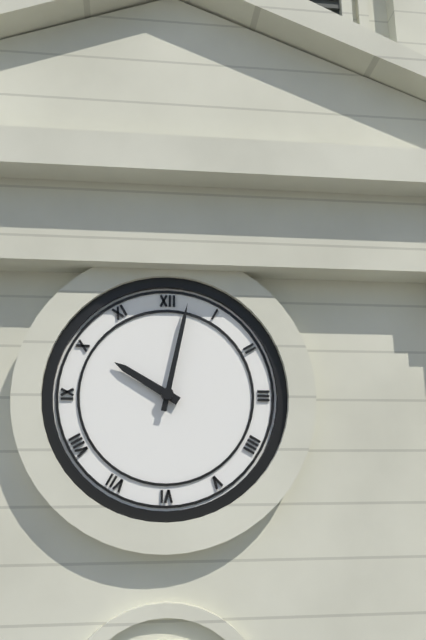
10:02
